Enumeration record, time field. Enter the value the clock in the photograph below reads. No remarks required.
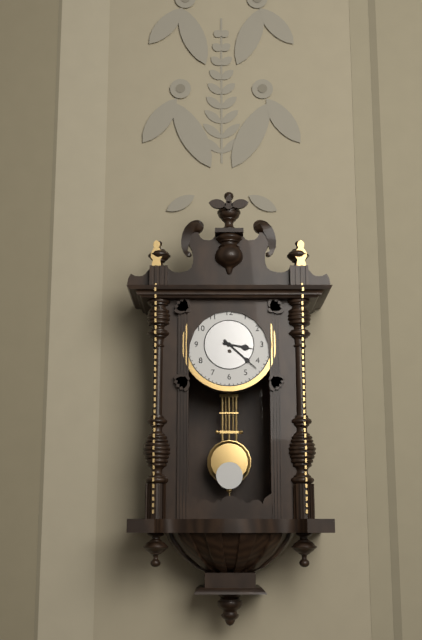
3:22
